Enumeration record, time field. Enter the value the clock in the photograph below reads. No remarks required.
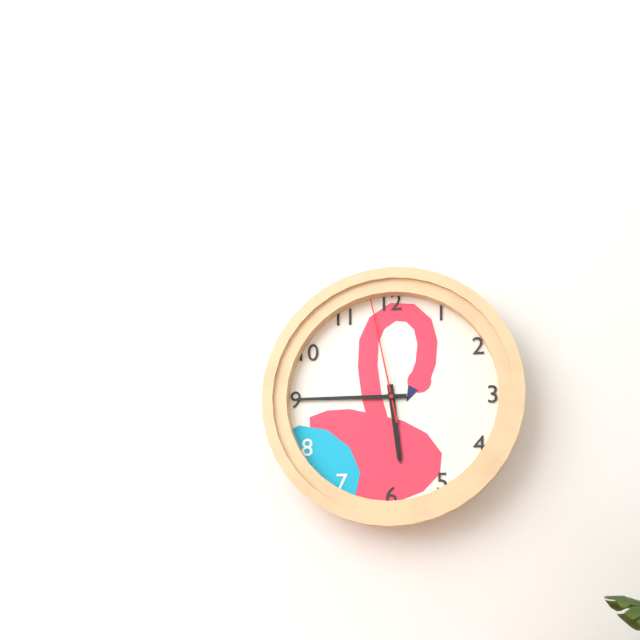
5:45:58
